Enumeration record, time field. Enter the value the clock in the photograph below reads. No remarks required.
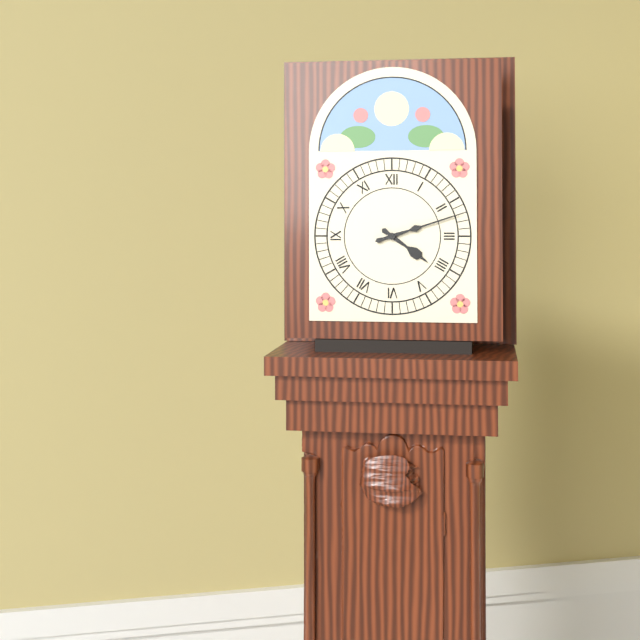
4:12
